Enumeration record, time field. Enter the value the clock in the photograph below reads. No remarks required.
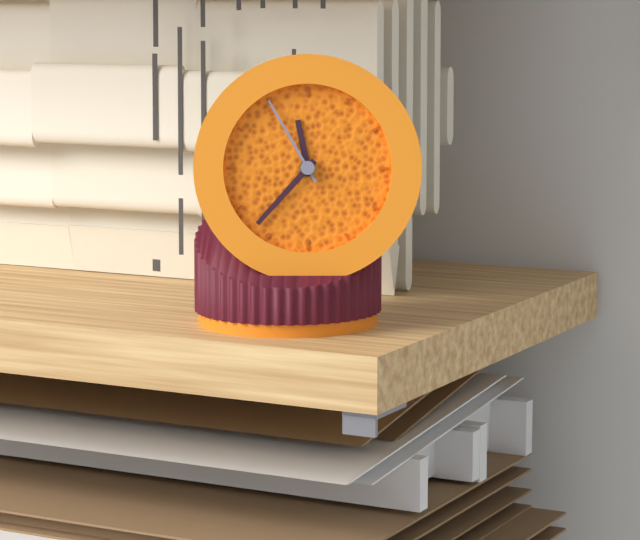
11:37:55
